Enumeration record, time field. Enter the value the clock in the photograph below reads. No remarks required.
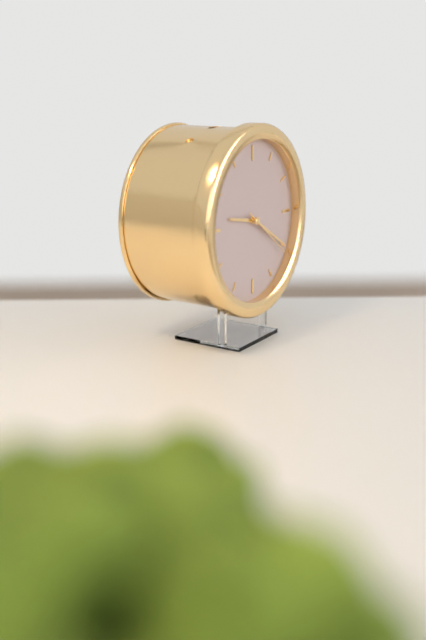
9:20:21
